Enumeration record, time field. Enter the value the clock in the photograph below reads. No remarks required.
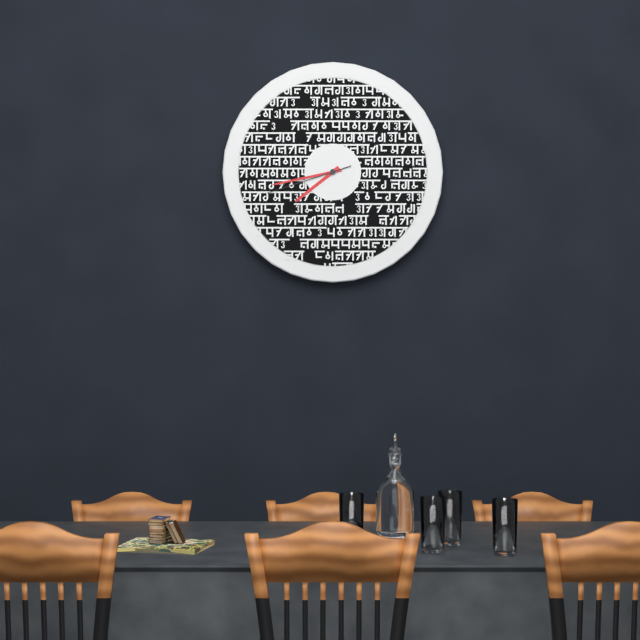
7:43:42
